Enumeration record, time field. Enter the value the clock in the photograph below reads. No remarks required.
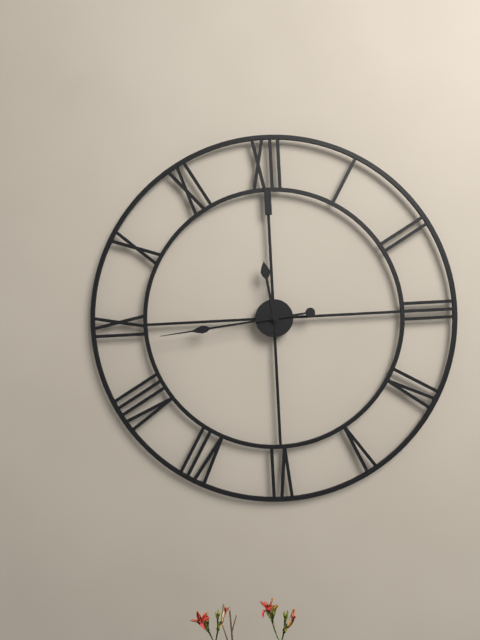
11:44
